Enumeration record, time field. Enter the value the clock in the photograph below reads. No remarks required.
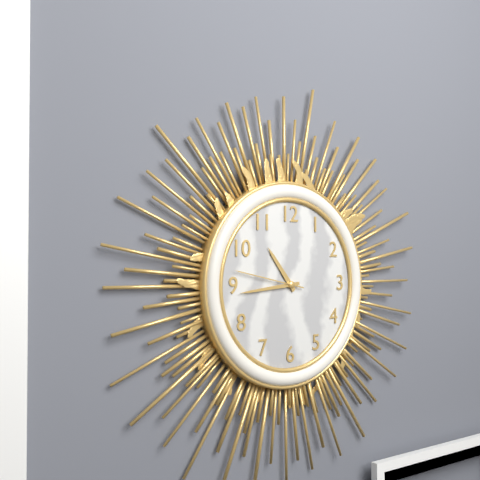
10:44:47
